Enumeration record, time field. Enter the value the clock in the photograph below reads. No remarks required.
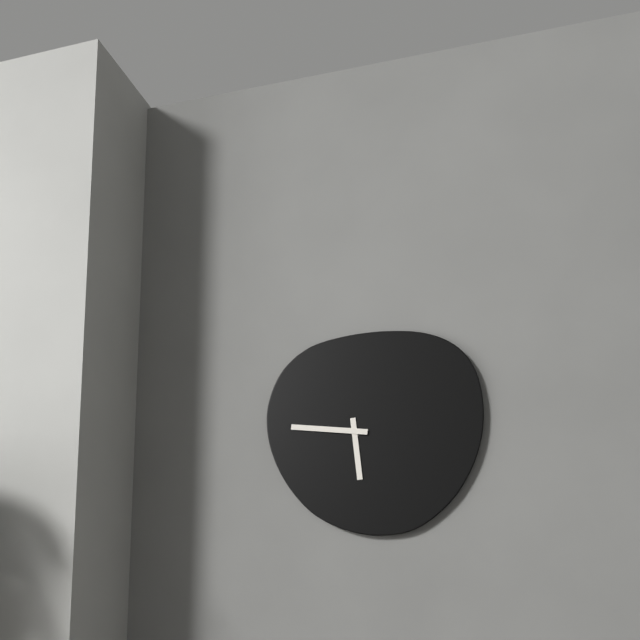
5:46
